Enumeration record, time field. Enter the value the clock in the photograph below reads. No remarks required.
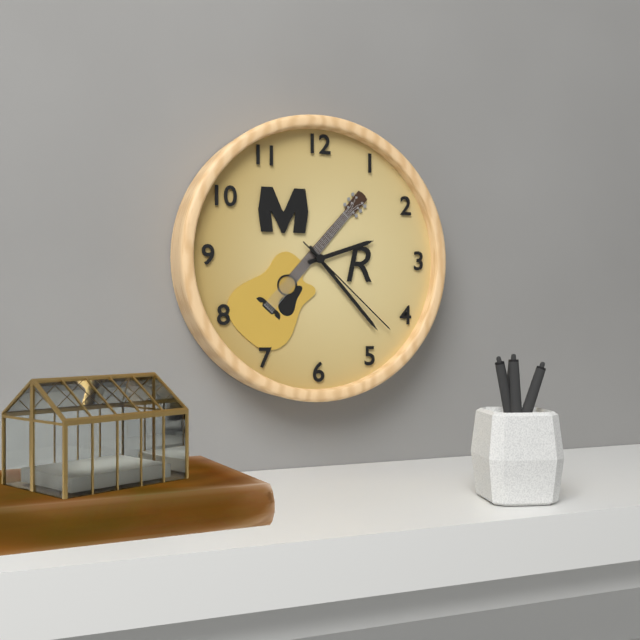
2:23:22
